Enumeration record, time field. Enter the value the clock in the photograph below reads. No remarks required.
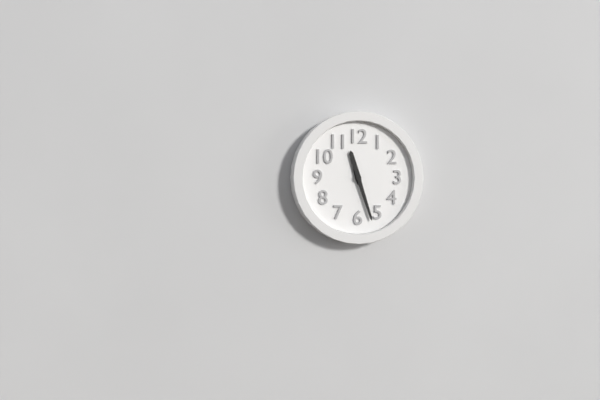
11:27
